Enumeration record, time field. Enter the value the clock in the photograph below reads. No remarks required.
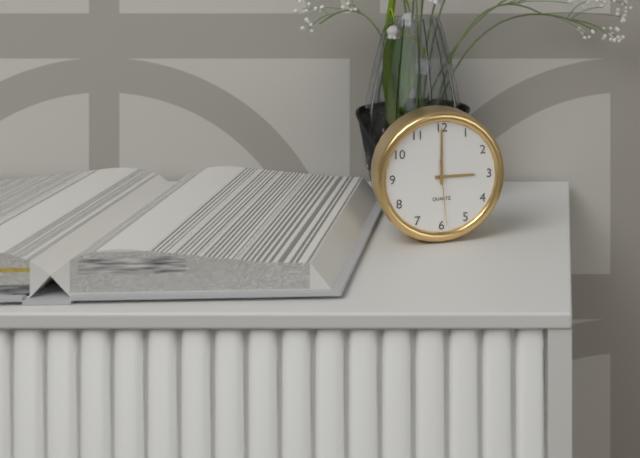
3:00:29
